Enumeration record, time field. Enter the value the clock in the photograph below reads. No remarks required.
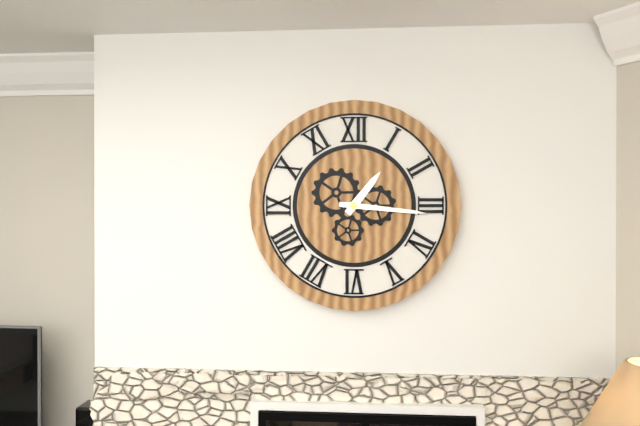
1:16
